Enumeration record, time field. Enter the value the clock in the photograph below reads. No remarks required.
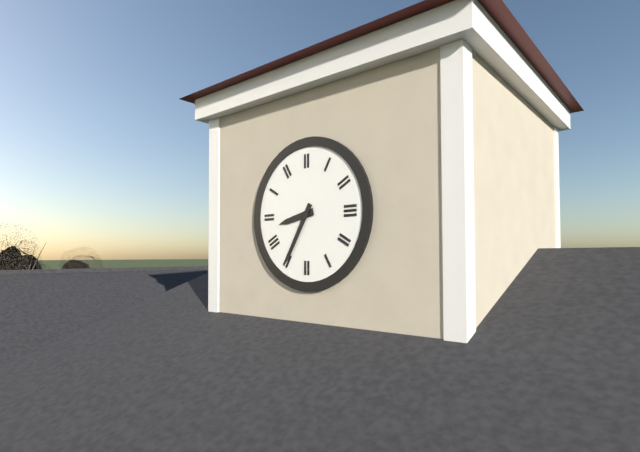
8:35
